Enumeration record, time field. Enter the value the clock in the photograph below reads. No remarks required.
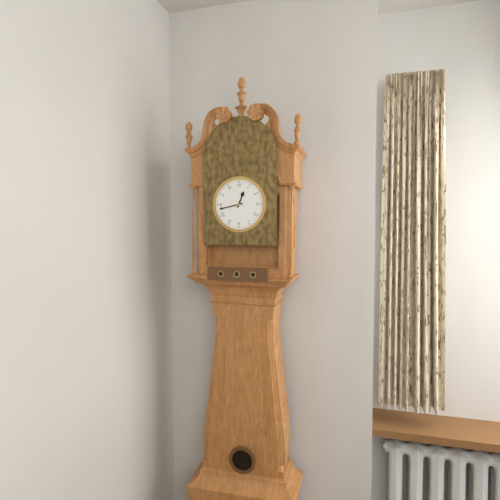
12:43
